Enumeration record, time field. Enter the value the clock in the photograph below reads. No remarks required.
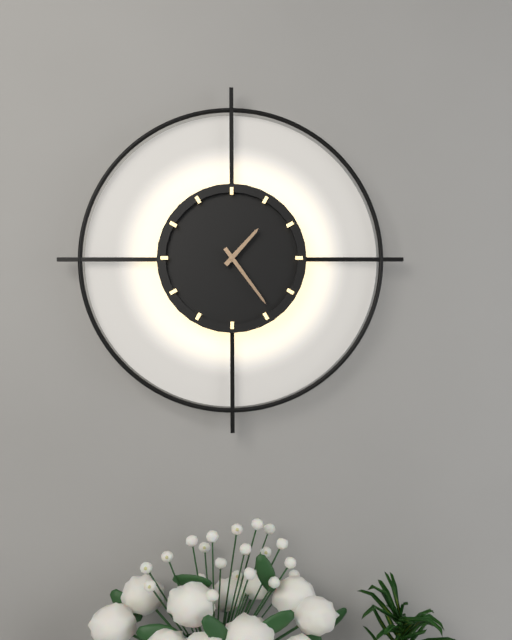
1:24
